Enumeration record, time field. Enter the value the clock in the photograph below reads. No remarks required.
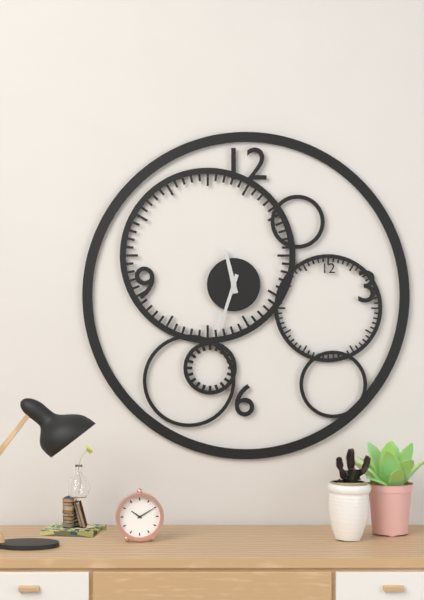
11:33
